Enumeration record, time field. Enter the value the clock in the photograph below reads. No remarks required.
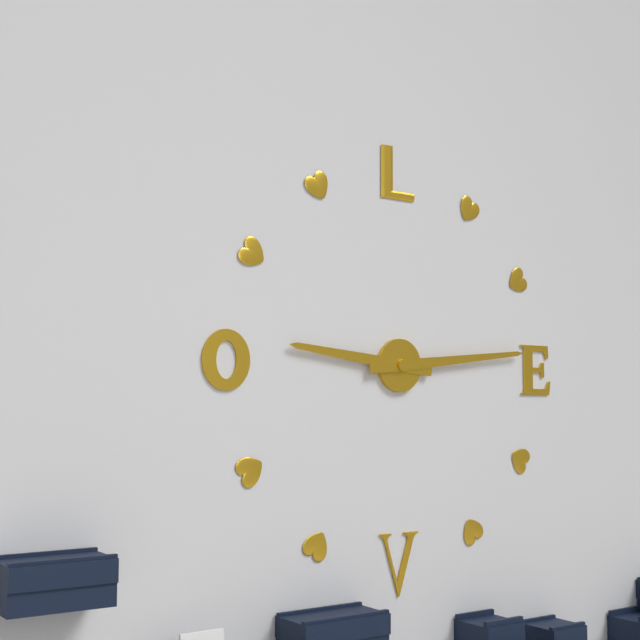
9:14
